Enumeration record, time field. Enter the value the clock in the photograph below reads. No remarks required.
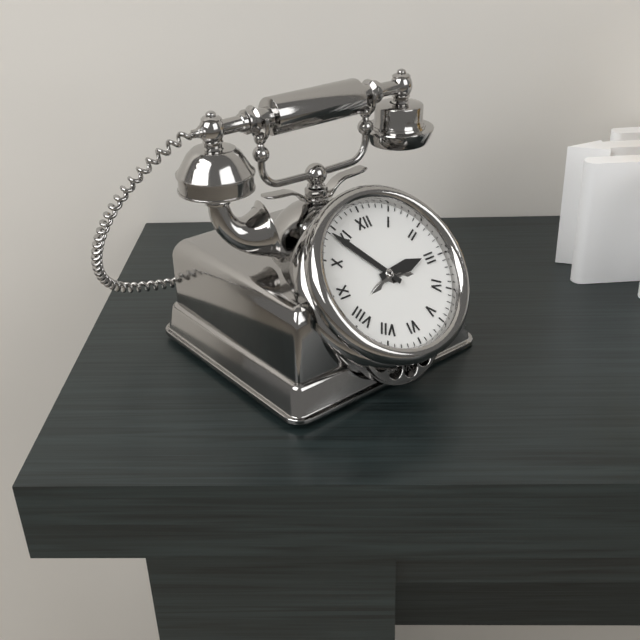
2:54
